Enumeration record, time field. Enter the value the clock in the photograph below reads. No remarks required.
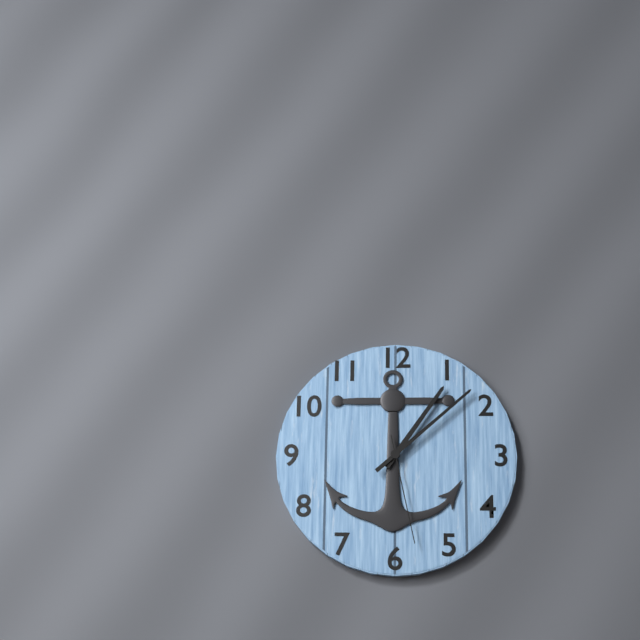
1:08:28
